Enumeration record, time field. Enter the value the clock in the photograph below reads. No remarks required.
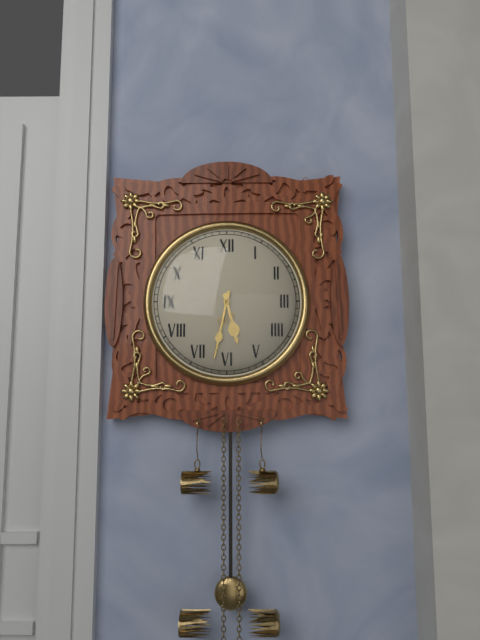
5:32
